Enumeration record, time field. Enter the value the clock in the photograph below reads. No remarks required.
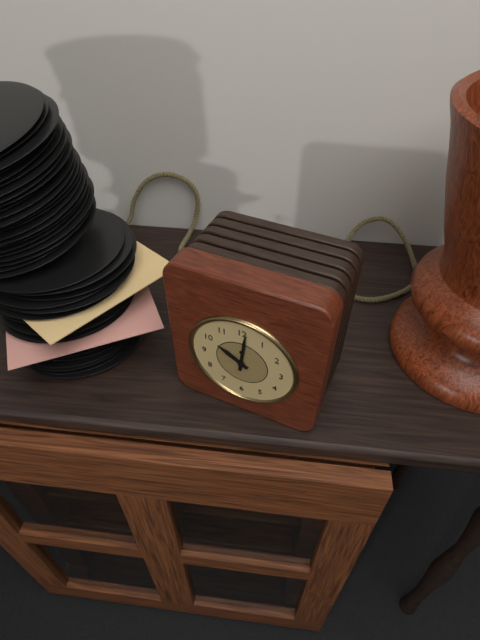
10:01
